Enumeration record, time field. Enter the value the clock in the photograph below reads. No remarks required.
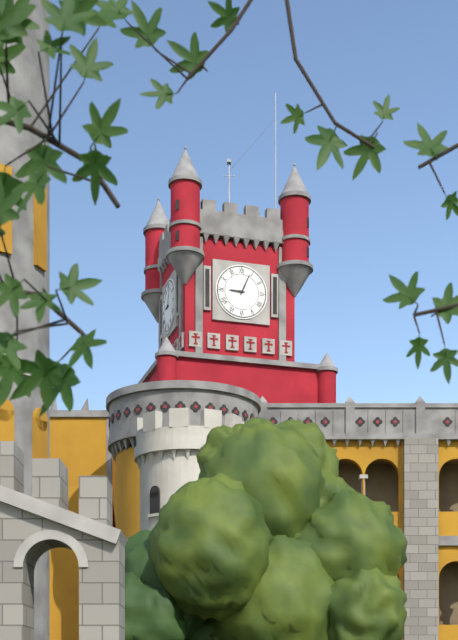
9:04
